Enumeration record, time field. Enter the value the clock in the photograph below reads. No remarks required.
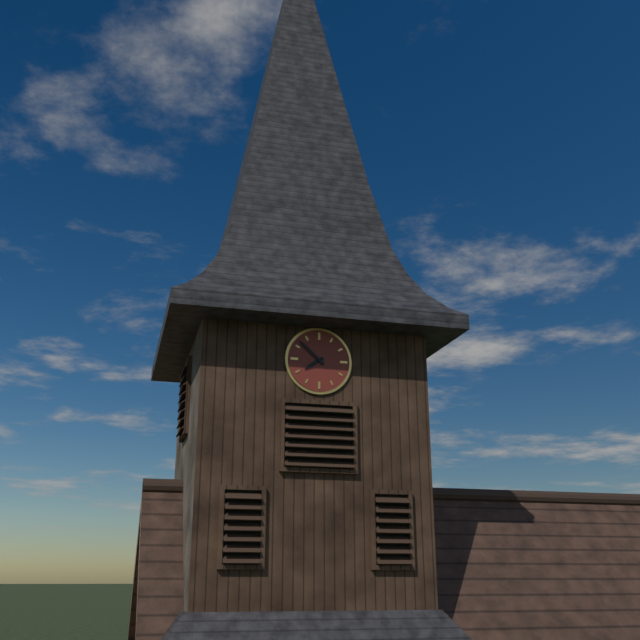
7:52
